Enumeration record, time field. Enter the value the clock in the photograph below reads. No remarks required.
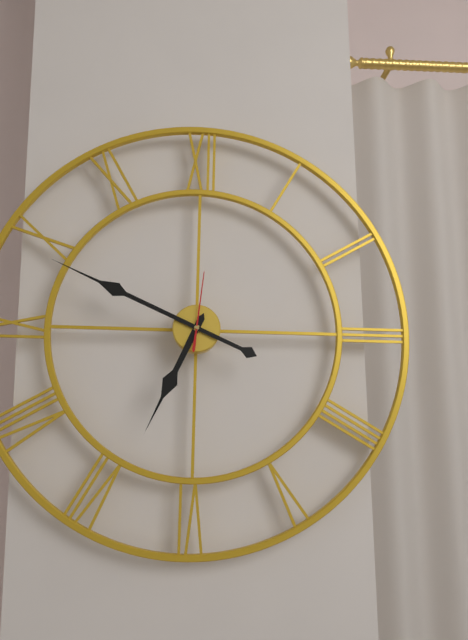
6:49:01
